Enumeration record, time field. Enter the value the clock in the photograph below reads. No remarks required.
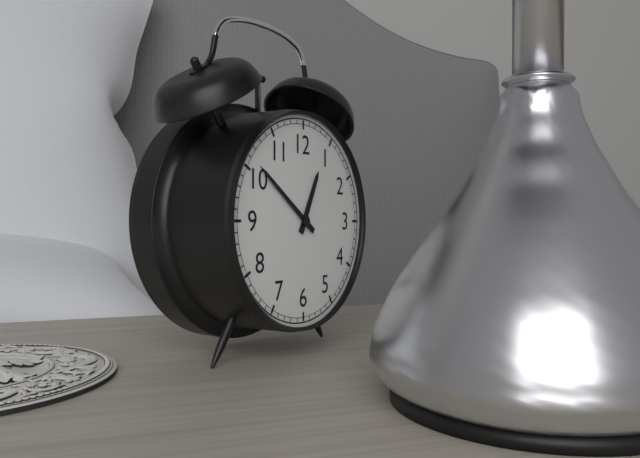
12:51
